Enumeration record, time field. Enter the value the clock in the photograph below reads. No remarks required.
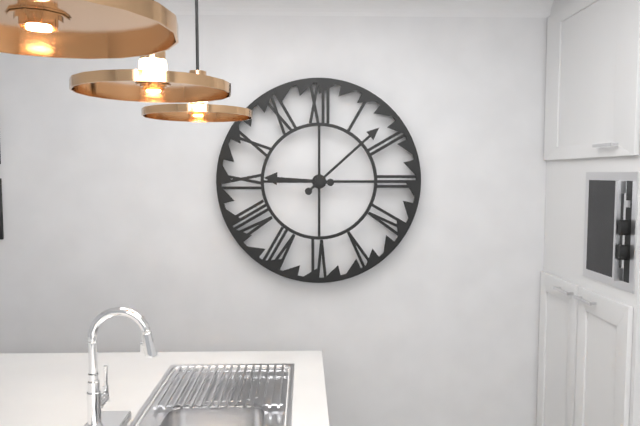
9:08
